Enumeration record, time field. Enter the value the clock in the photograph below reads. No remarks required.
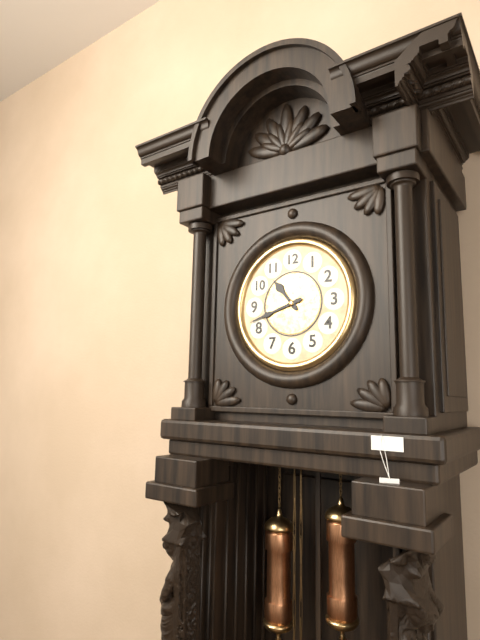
10:42
